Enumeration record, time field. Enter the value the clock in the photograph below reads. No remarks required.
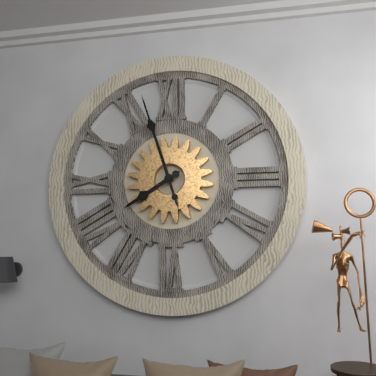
7:57
